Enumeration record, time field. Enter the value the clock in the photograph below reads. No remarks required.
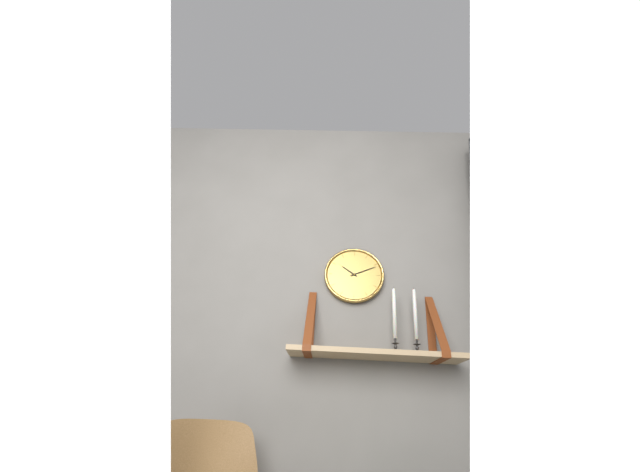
10:11
